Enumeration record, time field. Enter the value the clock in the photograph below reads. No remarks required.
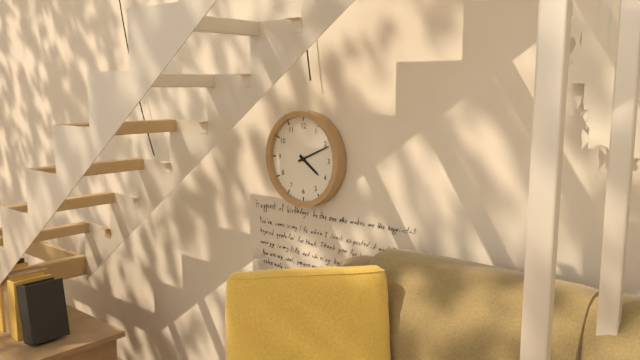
4:11
